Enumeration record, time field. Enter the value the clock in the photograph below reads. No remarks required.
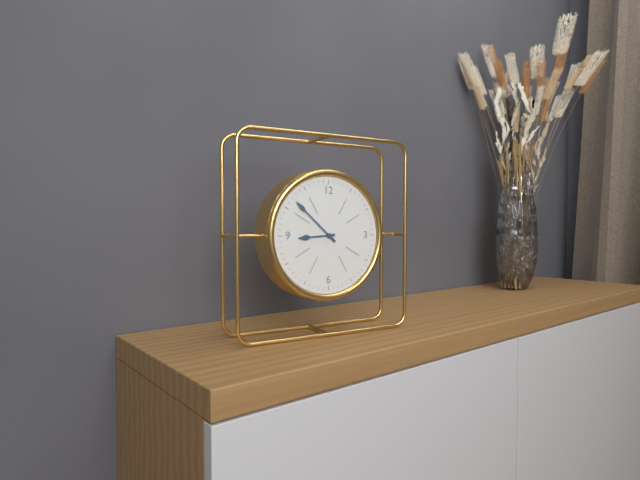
8:52
